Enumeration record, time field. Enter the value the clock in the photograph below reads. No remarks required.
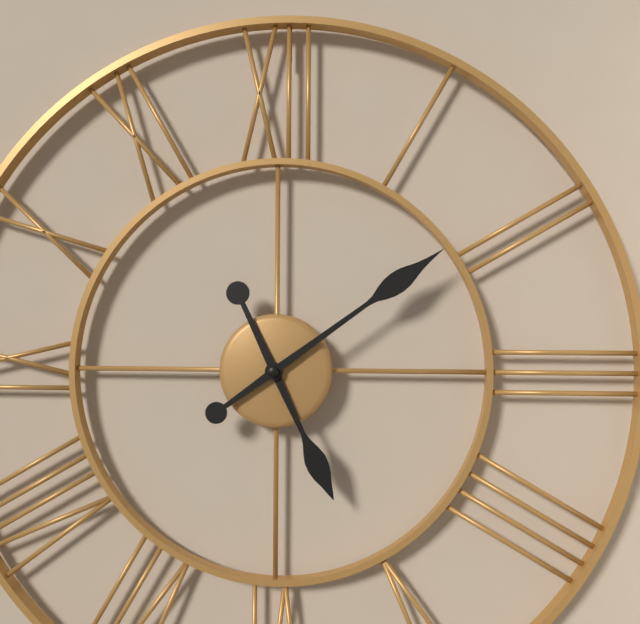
5:09
